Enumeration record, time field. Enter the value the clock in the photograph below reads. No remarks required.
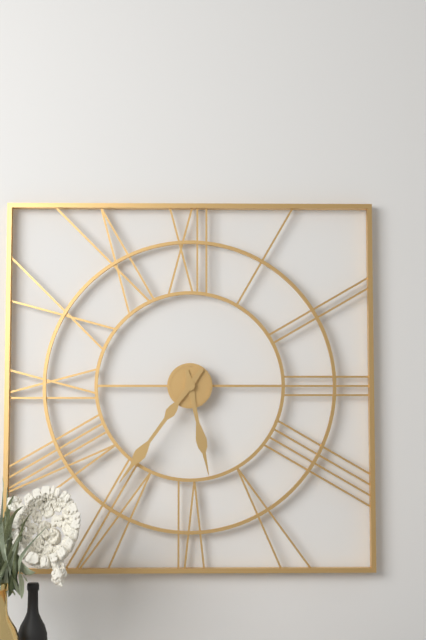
5:36
